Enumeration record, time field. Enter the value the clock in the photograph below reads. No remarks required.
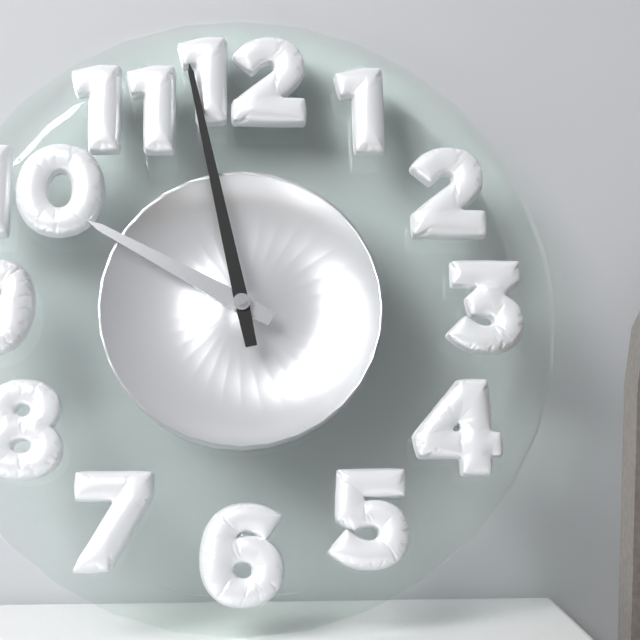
9:58
